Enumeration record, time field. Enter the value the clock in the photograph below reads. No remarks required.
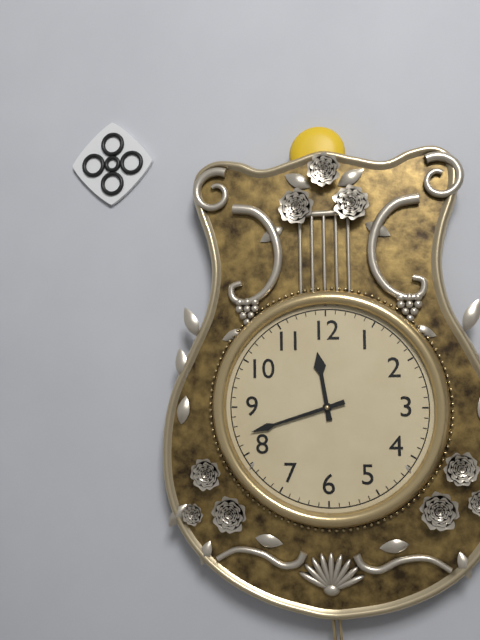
11:42
